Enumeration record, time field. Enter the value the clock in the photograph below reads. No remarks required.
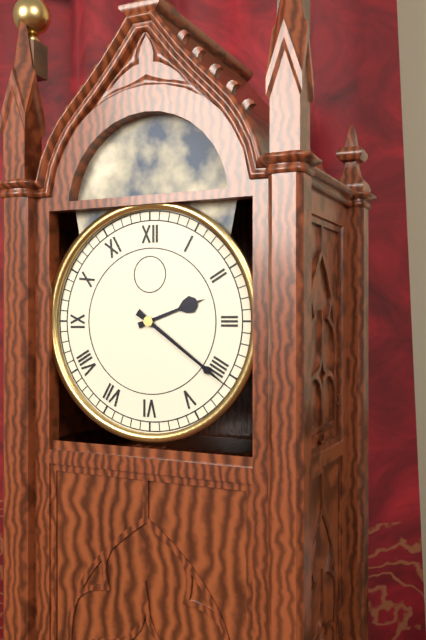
2:21
